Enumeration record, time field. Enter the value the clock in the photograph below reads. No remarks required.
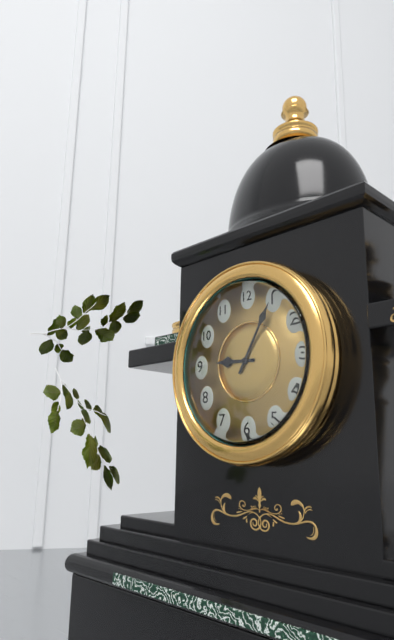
9:05
